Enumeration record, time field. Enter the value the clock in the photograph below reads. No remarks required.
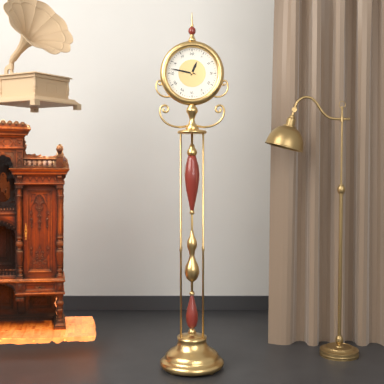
12:47
